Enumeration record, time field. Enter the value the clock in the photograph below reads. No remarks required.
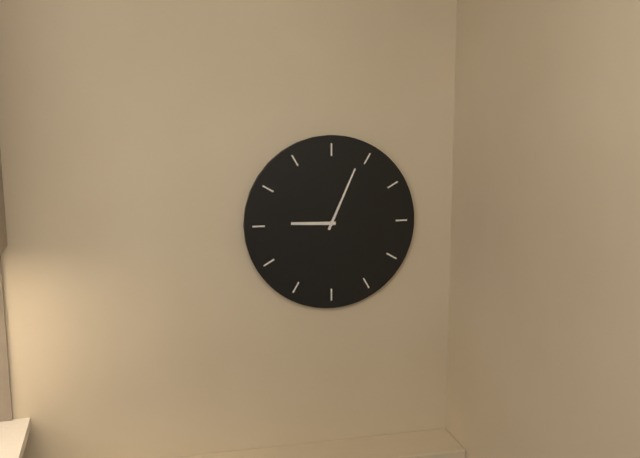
9:04
